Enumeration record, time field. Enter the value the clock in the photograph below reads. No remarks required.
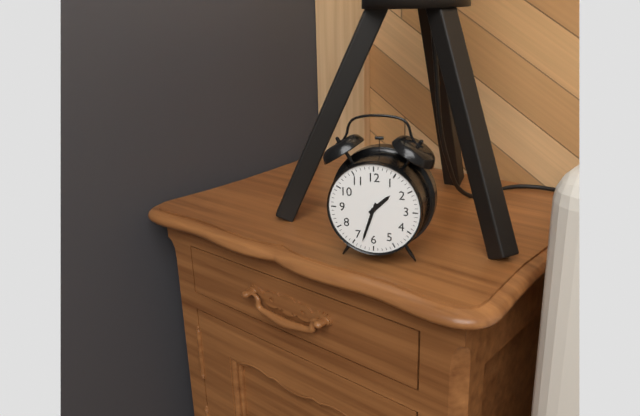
1:33
